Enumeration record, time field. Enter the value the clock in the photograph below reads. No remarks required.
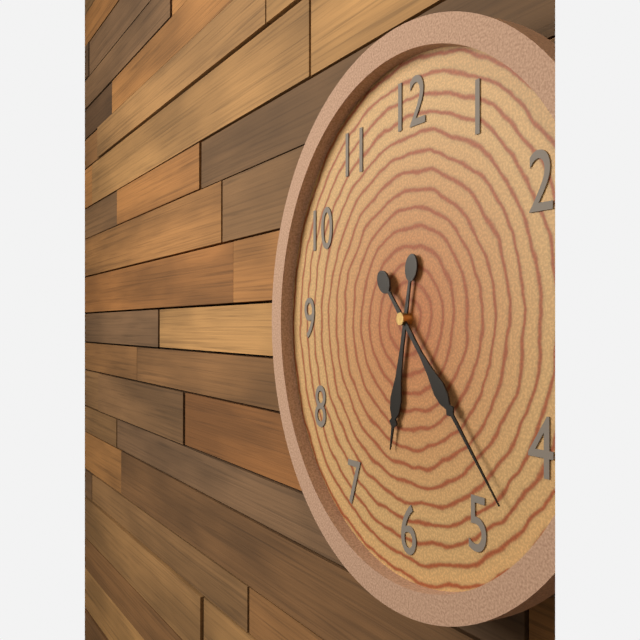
6:23
